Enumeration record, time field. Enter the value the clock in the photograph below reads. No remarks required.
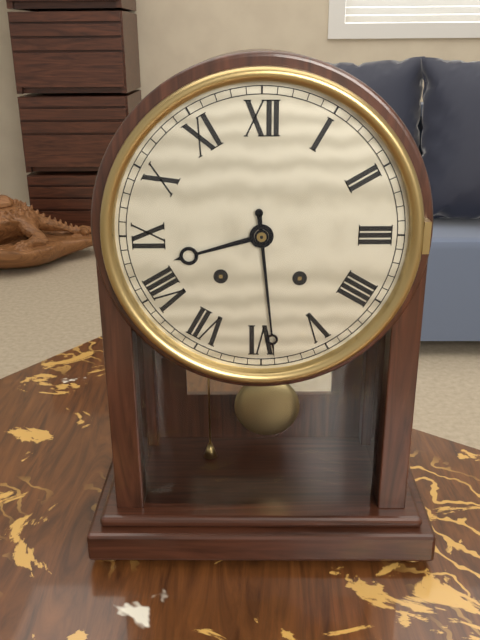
8:29
